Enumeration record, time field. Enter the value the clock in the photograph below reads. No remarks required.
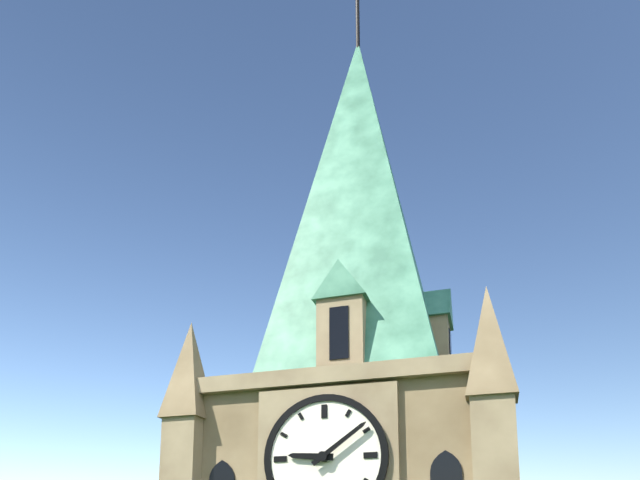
9:09
